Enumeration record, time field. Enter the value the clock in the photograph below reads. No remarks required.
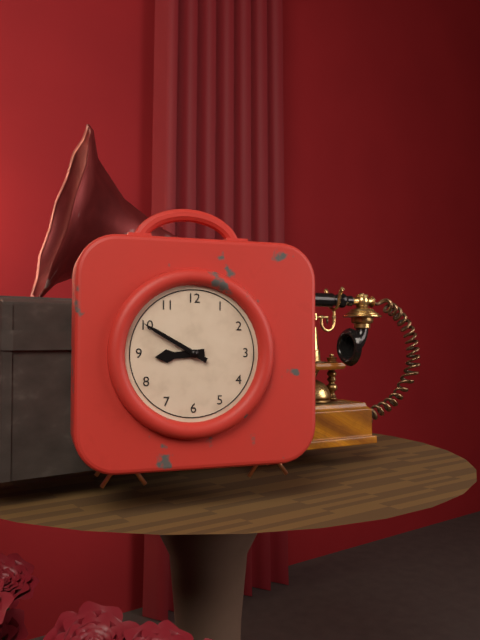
8:50
